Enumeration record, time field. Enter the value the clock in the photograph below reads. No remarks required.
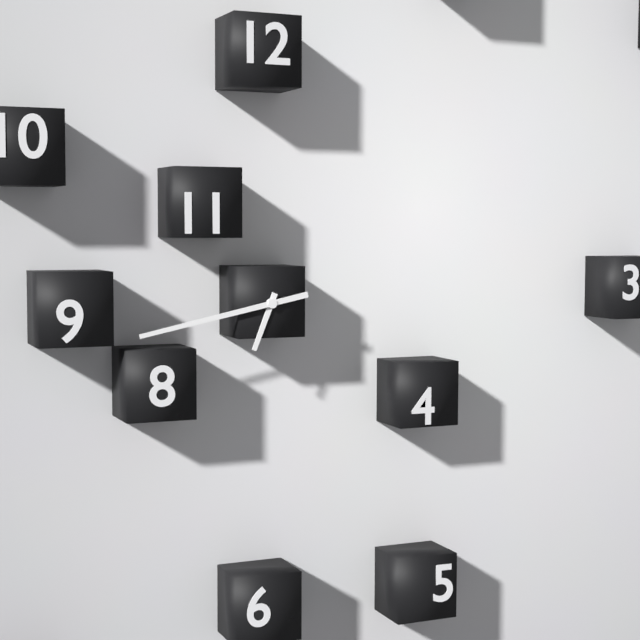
6:43
